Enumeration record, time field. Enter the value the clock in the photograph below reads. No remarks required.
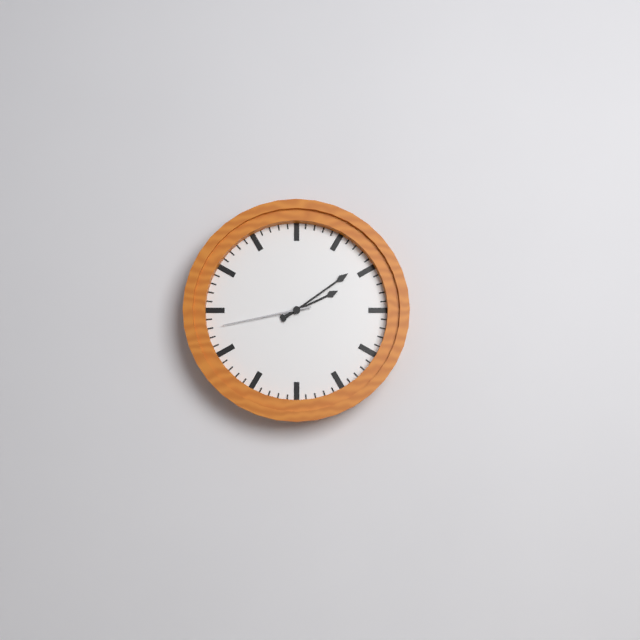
2:09:43
